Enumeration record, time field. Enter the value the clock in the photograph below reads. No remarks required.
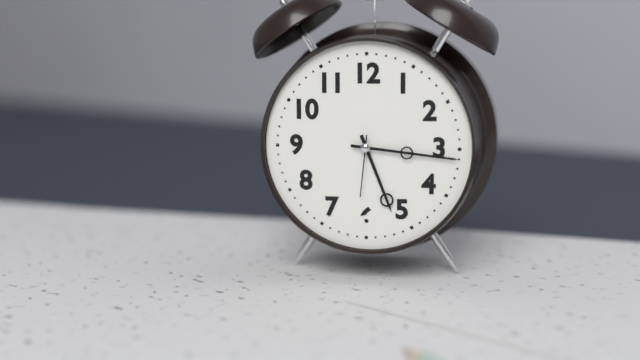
5:16:31
